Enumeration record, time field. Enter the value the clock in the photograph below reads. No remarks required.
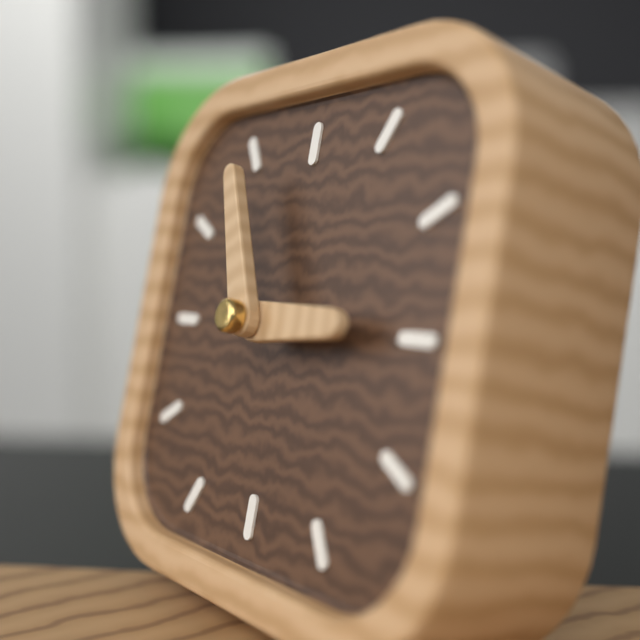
2:56
